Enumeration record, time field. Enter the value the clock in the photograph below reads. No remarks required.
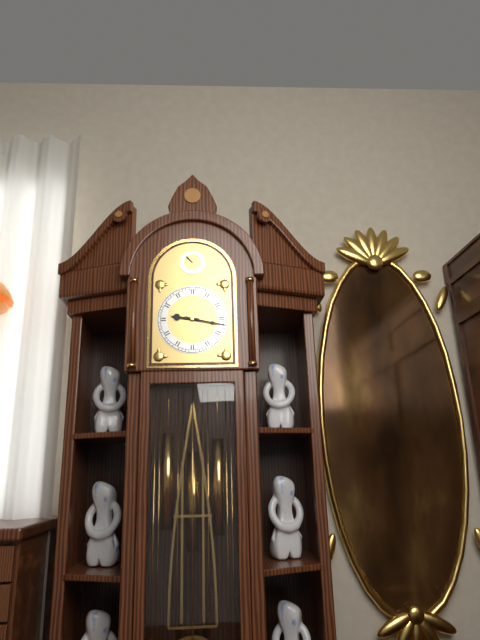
9:17
